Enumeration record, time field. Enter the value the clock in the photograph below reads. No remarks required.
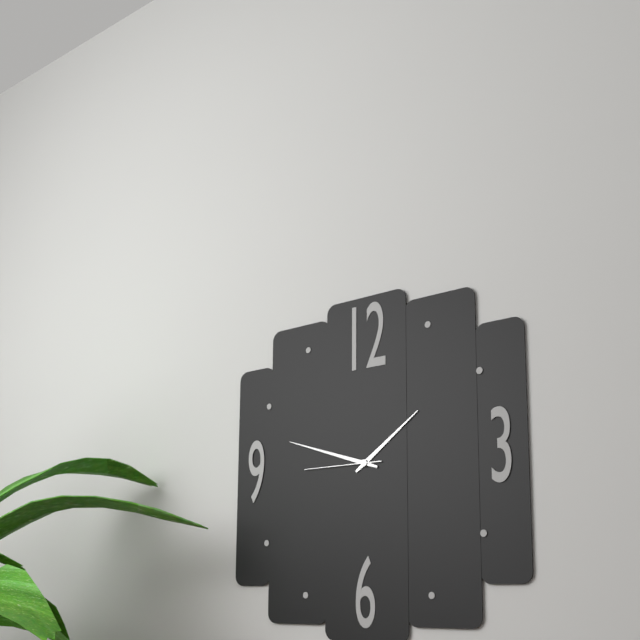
1:48:45
